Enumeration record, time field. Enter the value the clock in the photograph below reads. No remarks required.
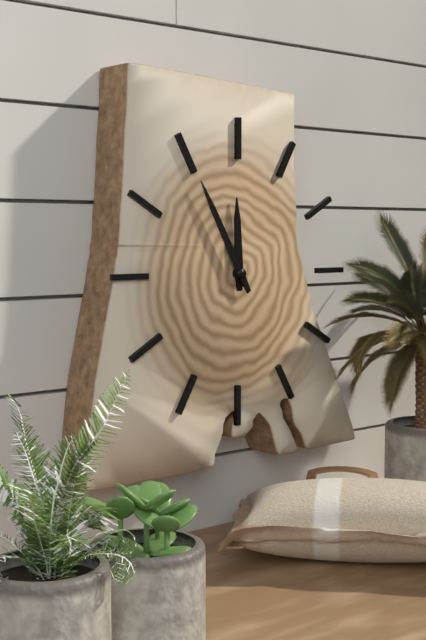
11:55
